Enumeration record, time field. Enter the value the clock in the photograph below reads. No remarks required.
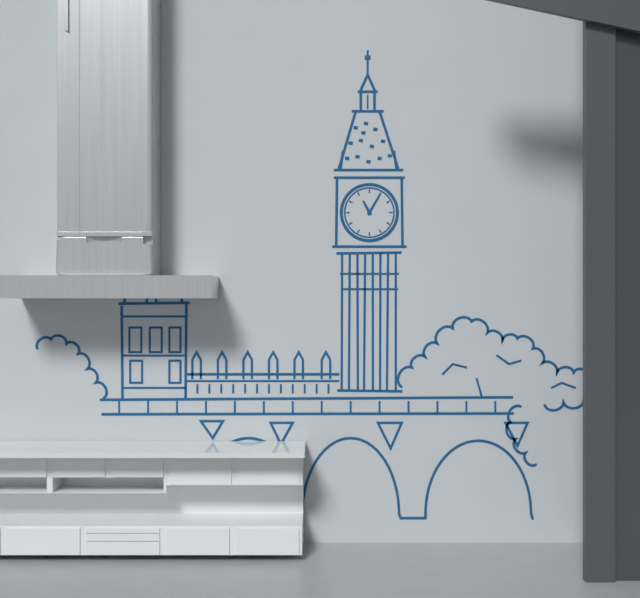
11:05
